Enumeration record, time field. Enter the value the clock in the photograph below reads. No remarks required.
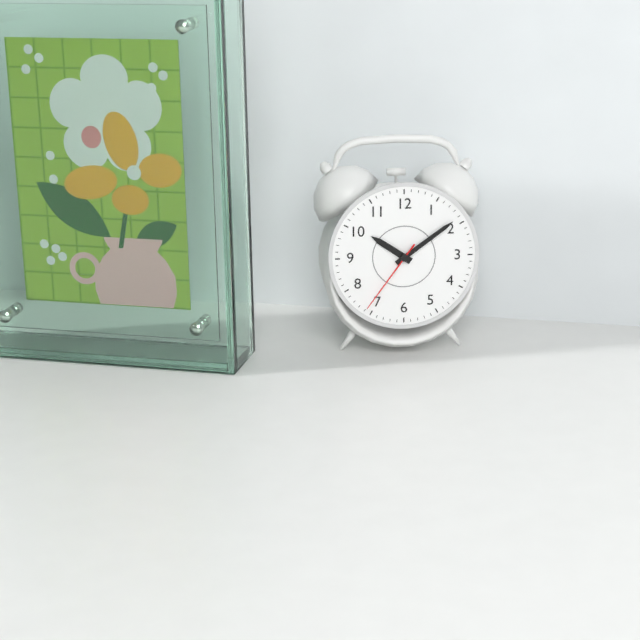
10:09:36
